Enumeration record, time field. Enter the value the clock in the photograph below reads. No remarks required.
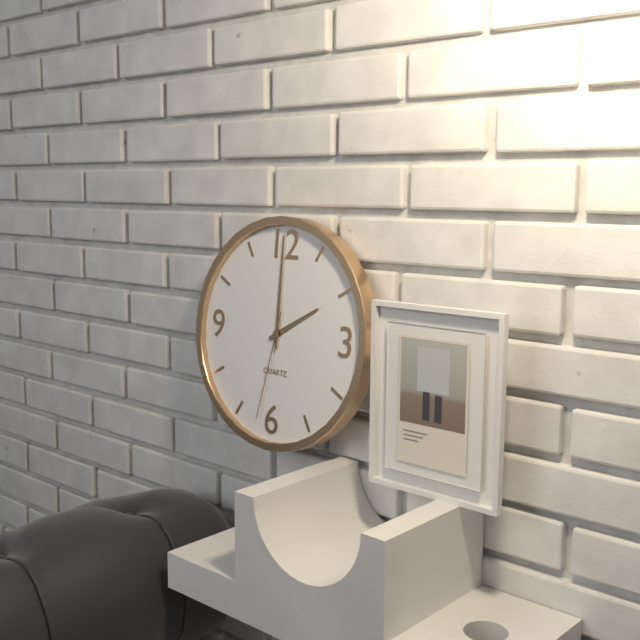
2:00:32
